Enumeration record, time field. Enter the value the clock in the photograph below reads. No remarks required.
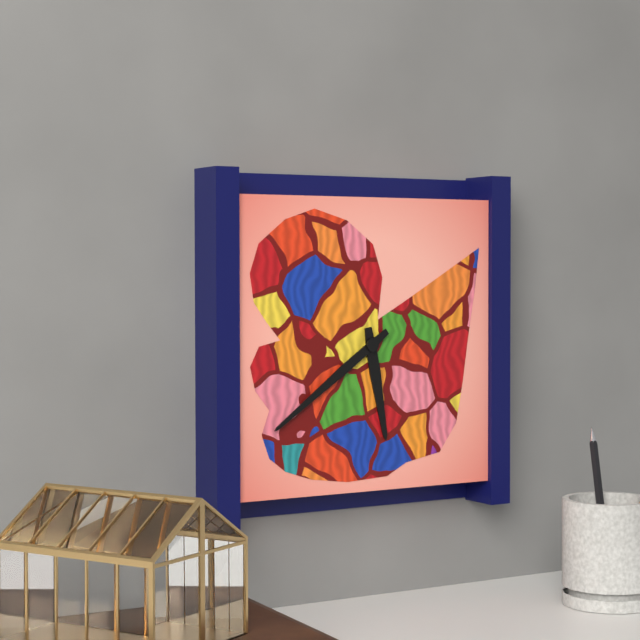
5:39
